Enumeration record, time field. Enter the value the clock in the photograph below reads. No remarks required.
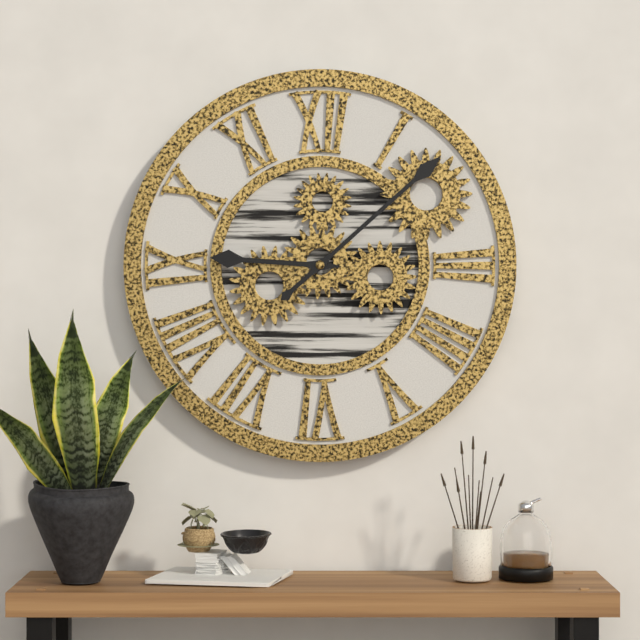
9:08
